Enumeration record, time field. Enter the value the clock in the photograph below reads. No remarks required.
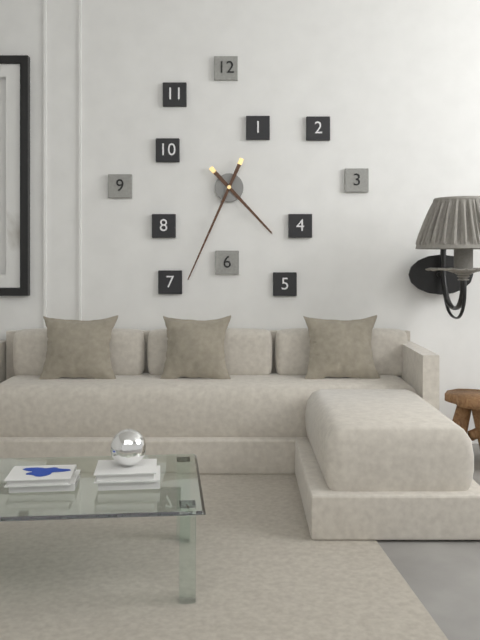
4:34
